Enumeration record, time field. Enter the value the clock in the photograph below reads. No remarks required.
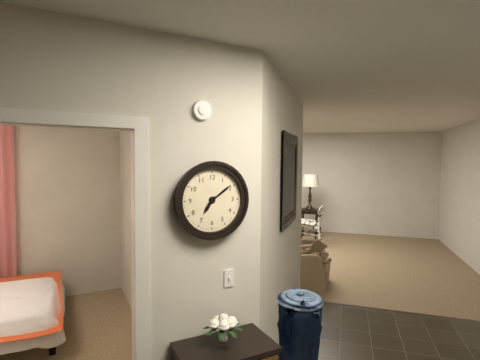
7:09
